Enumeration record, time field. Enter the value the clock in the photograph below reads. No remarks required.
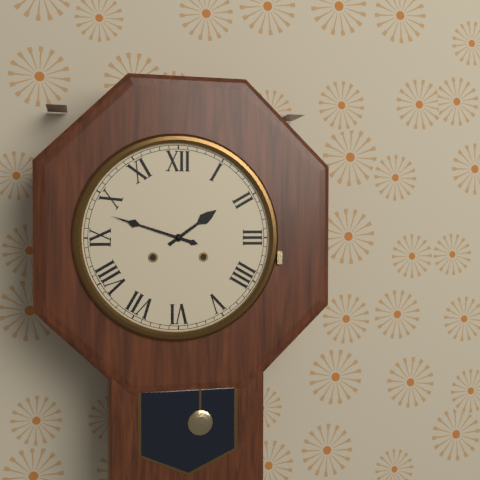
1:48
